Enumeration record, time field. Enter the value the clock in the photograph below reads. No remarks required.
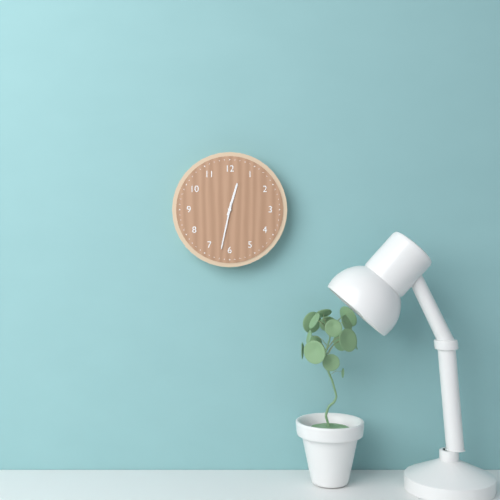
12:32
